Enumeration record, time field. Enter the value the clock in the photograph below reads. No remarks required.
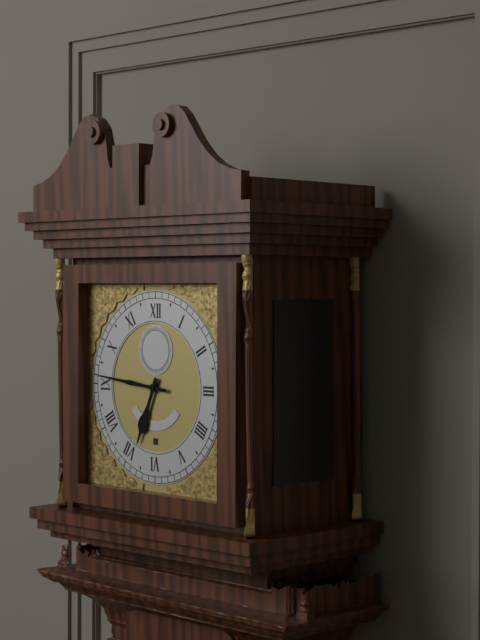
6:46
